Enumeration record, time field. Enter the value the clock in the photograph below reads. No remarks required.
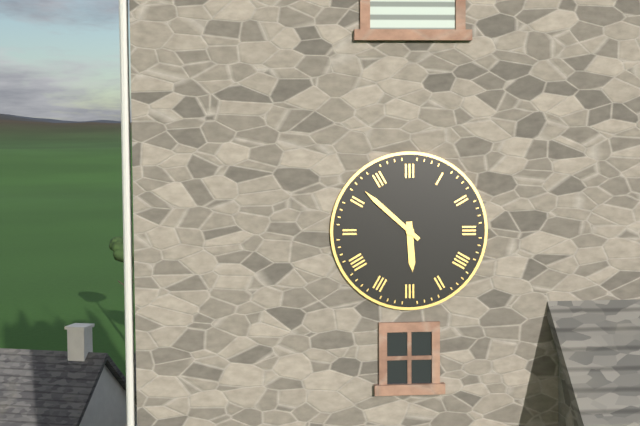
5:52
